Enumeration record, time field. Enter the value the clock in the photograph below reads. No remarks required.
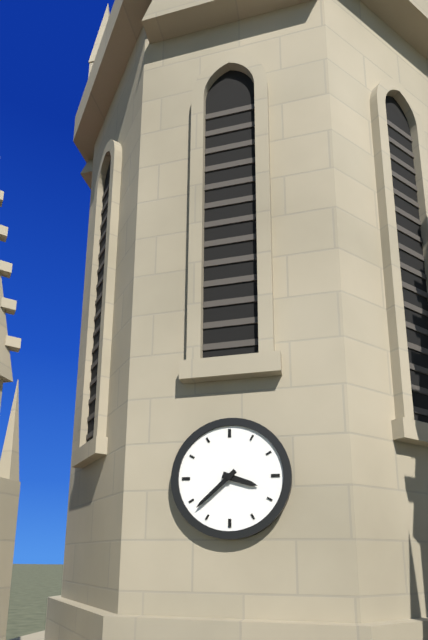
3:38
